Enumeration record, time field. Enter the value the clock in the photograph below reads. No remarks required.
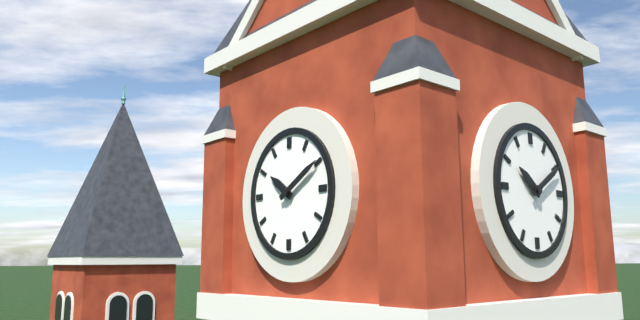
10:10
